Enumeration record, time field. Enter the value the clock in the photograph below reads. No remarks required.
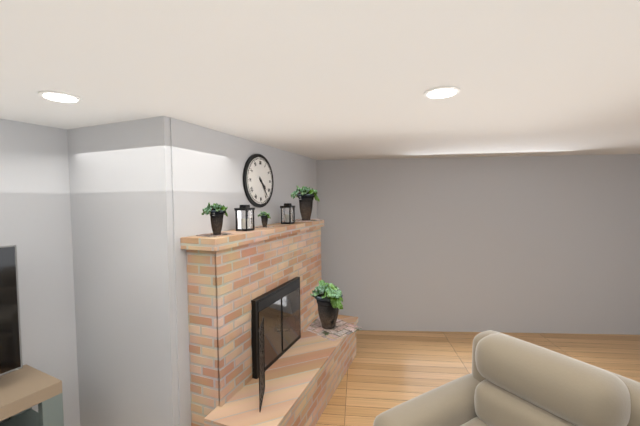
4:24
